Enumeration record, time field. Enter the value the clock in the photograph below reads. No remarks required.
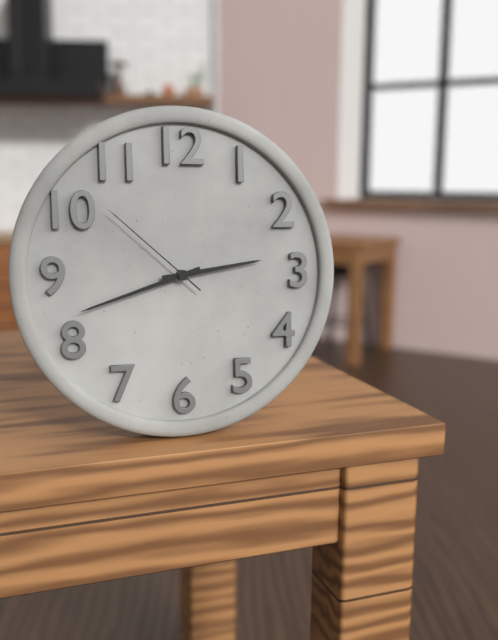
2:42:52
